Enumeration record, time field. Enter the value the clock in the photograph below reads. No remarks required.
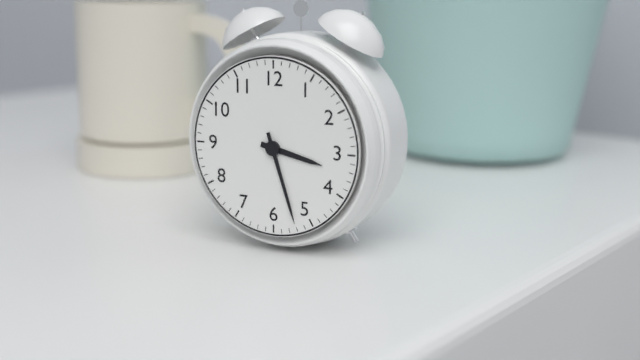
3:27
